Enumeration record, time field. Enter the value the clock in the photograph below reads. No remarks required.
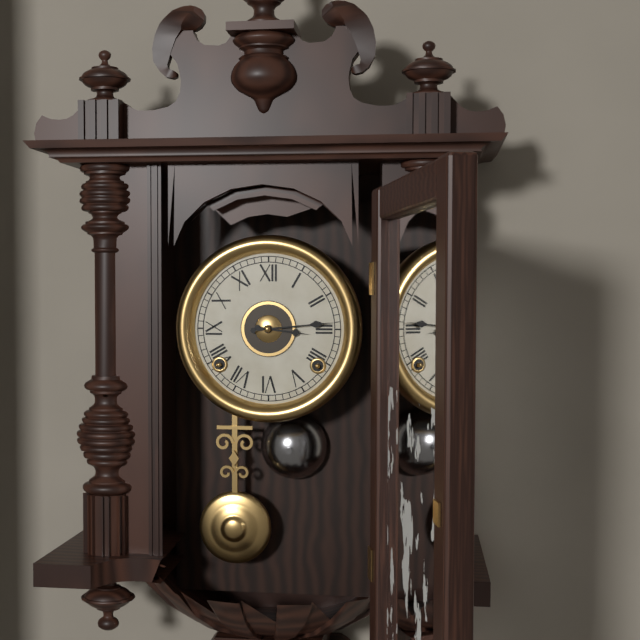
3:14
